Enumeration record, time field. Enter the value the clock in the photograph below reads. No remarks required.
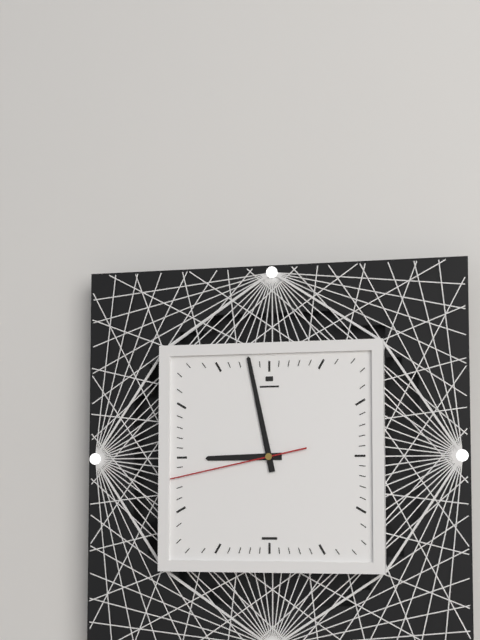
8:58:43
